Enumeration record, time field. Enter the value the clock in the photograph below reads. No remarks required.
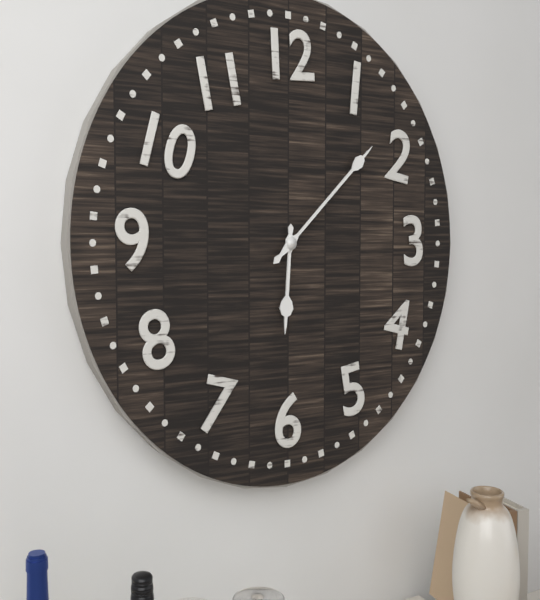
6:08
